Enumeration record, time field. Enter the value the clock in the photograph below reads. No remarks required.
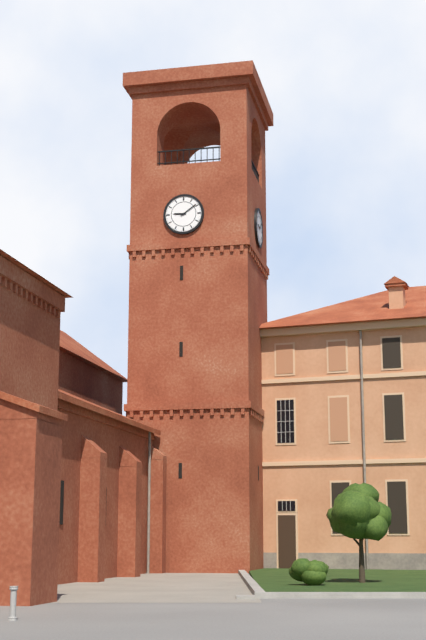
9:09
